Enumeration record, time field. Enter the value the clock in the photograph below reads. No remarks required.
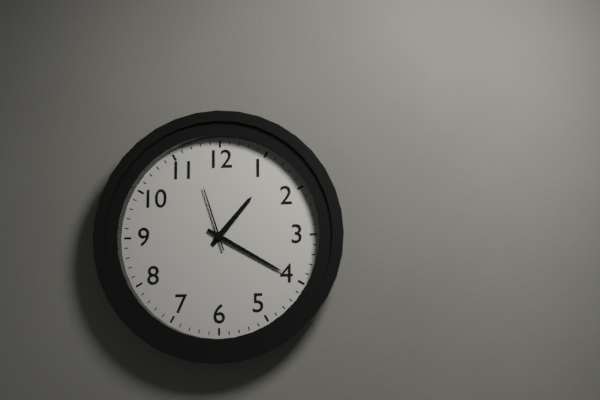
1:20:57
